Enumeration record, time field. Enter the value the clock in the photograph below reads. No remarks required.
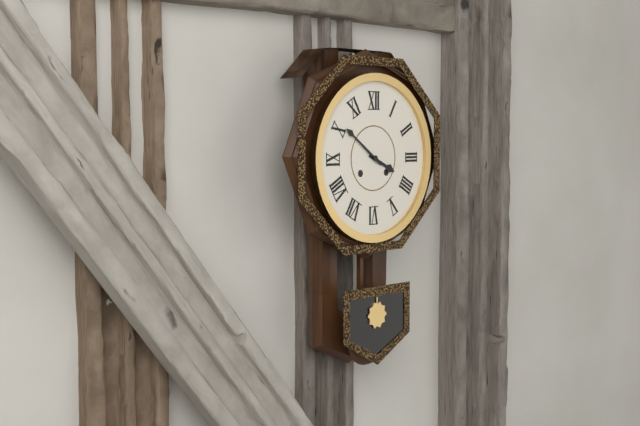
3:51
